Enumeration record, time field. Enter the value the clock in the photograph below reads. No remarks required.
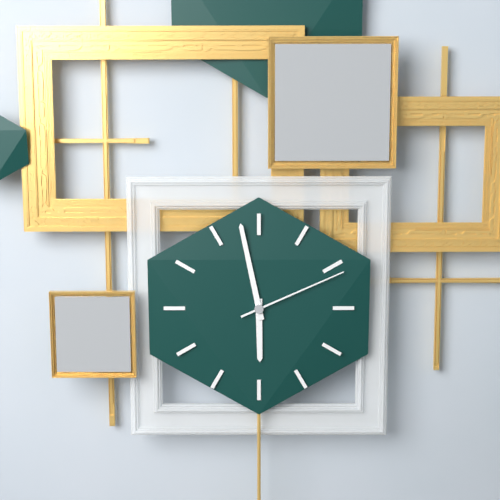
5:58:11
